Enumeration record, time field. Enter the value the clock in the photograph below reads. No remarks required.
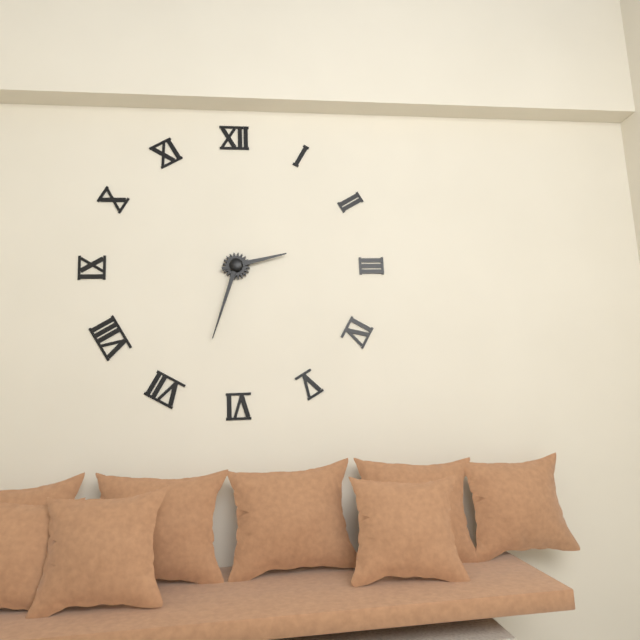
2:33
